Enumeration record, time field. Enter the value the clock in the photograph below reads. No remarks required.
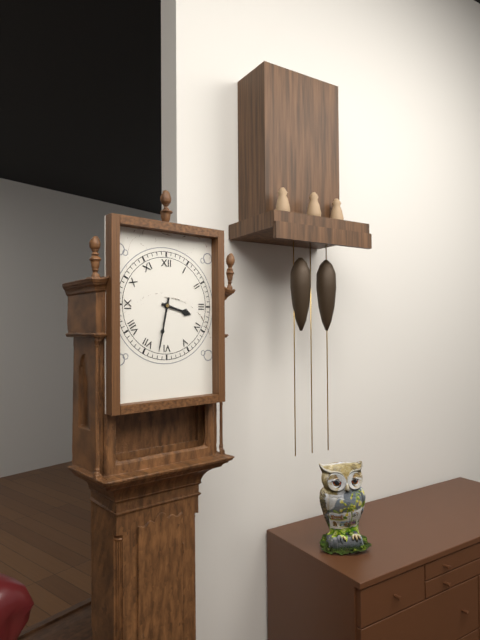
3:32
